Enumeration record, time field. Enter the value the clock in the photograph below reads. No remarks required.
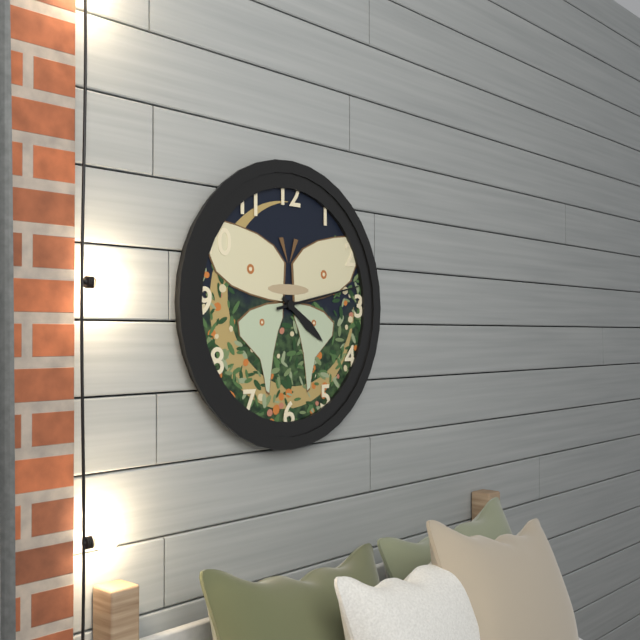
4:13
